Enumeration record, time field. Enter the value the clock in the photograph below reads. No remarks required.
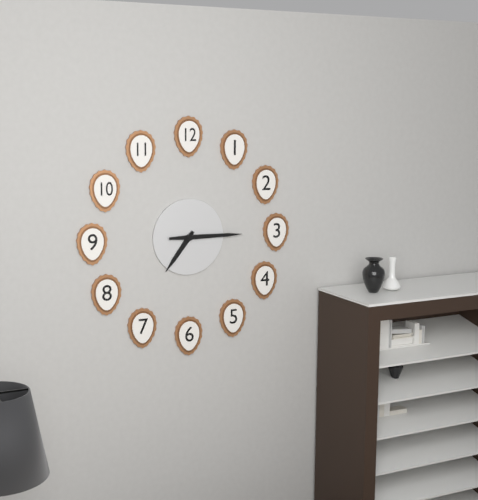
7:15
